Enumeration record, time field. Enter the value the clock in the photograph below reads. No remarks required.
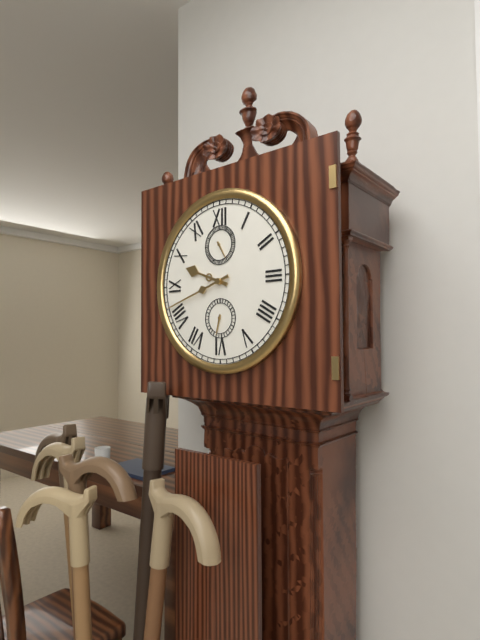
9:42
